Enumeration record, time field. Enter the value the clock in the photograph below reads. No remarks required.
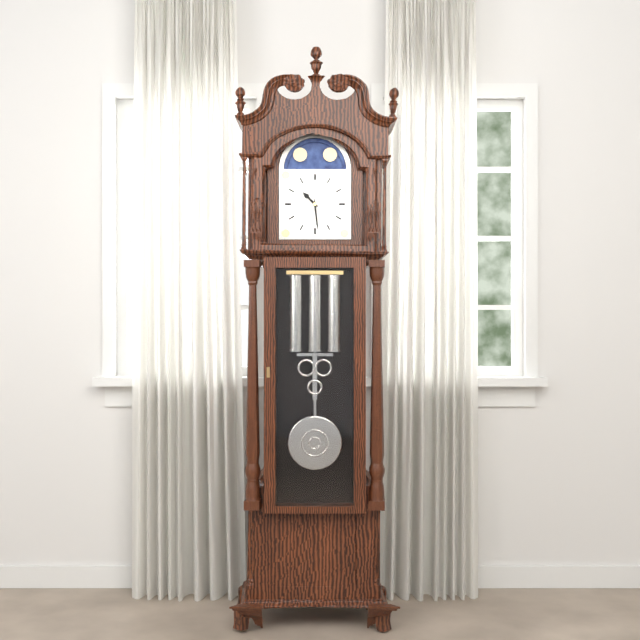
10:29
